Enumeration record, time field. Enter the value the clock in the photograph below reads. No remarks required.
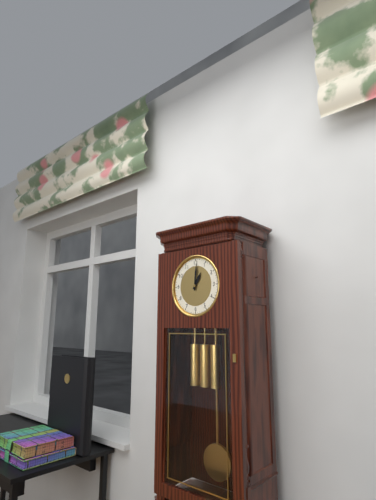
1:01
